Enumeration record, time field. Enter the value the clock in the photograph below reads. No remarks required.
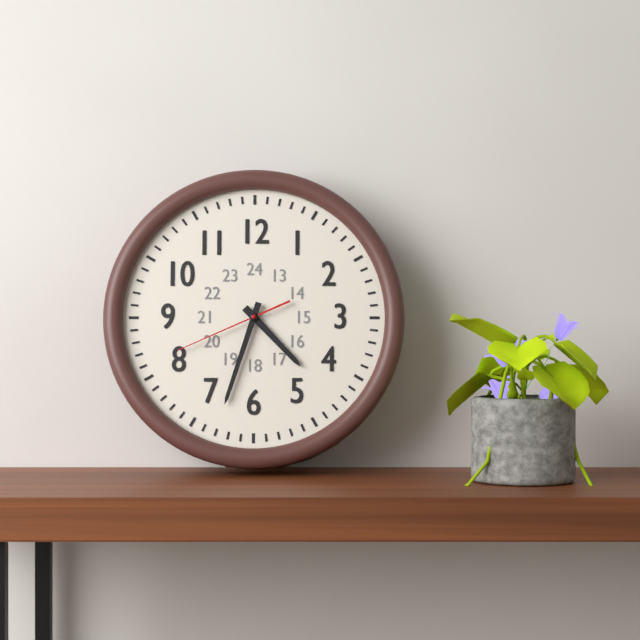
4:33:41
